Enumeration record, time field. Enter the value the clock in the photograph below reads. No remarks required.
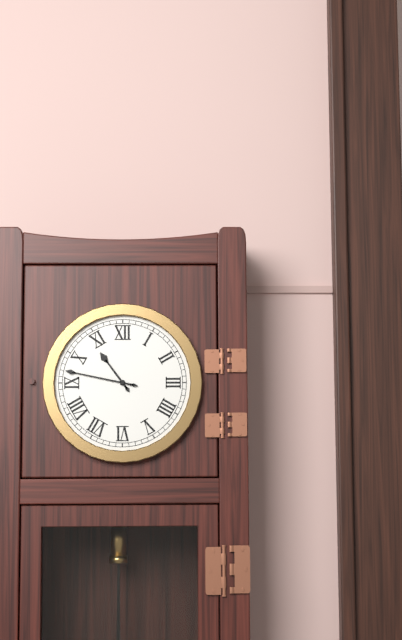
10:47
